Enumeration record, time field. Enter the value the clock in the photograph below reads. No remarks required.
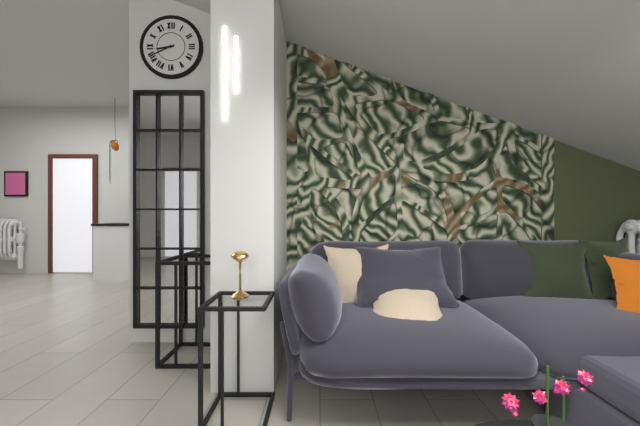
8:41
